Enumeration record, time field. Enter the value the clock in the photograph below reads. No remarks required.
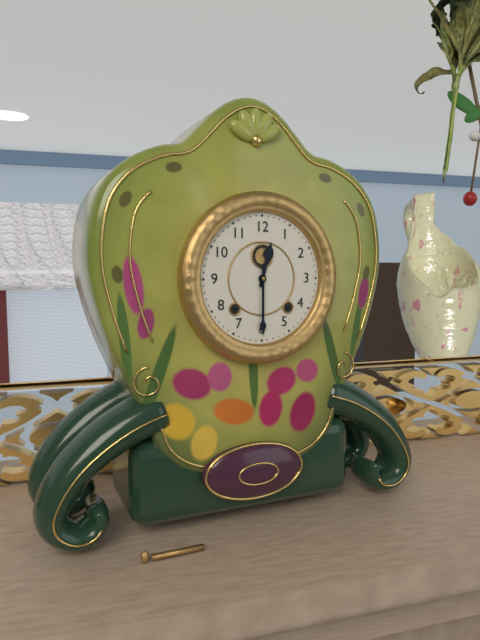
12:30
